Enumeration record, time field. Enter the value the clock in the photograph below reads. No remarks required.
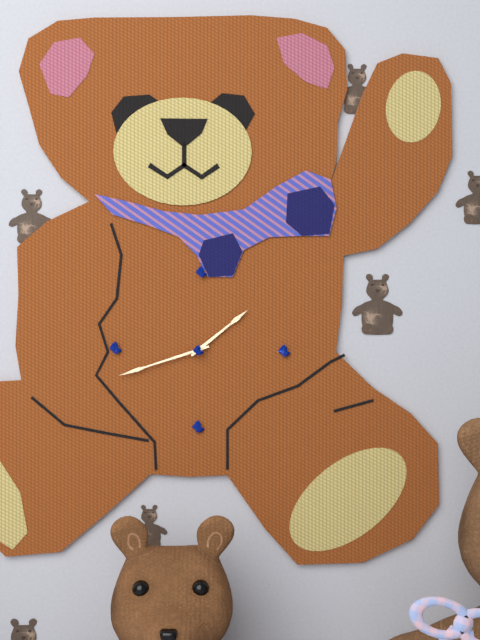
1:42
